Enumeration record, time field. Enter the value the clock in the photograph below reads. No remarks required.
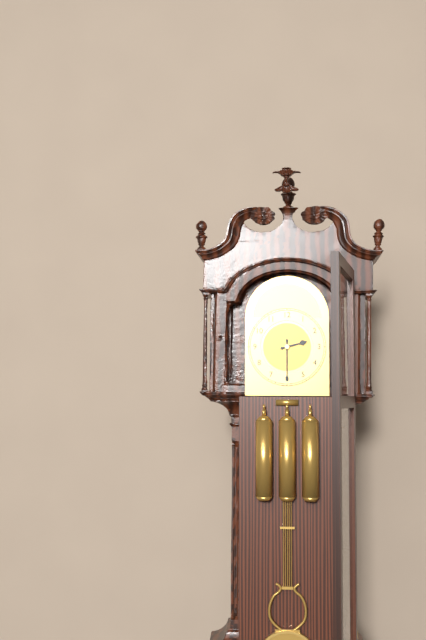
2:30
